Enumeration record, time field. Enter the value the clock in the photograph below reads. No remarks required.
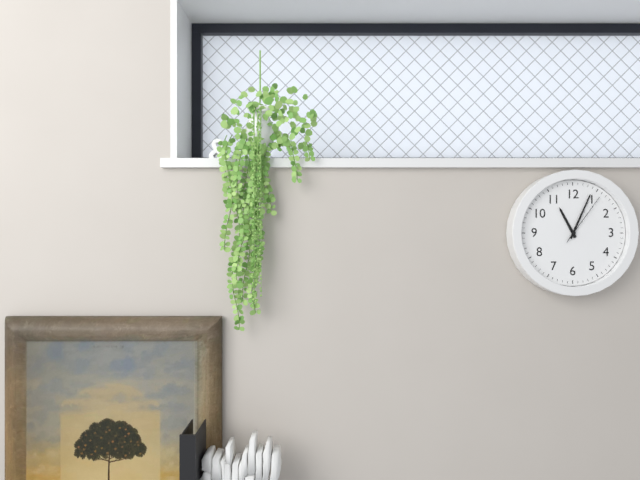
11:04:06
